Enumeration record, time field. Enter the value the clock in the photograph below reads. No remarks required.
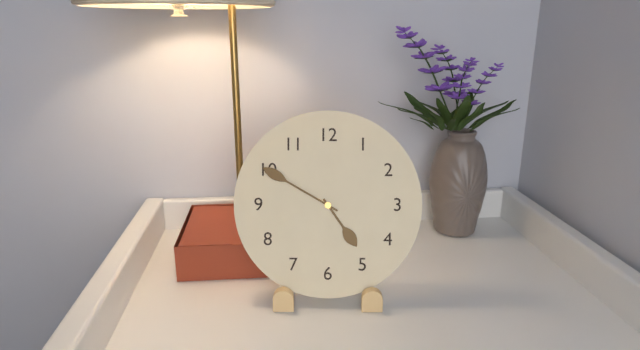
4:50
